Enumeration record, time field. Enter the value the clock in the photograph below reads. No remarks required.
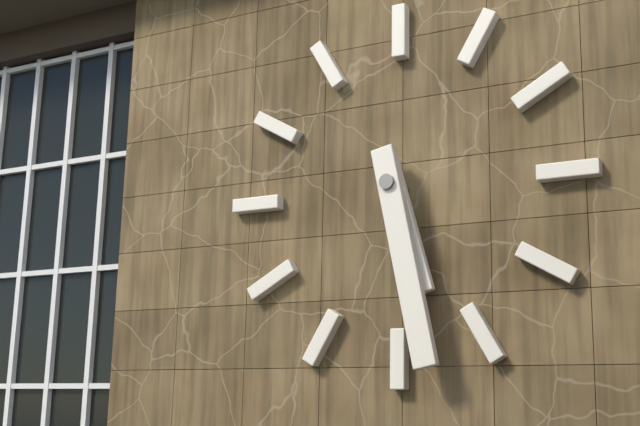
5:28
